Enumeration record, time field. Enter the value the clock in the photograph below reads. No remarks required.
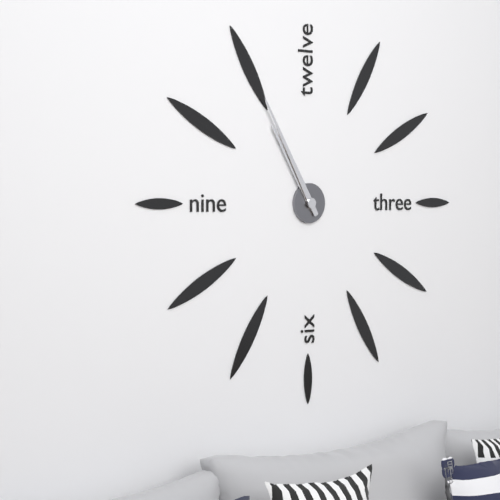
10:55
